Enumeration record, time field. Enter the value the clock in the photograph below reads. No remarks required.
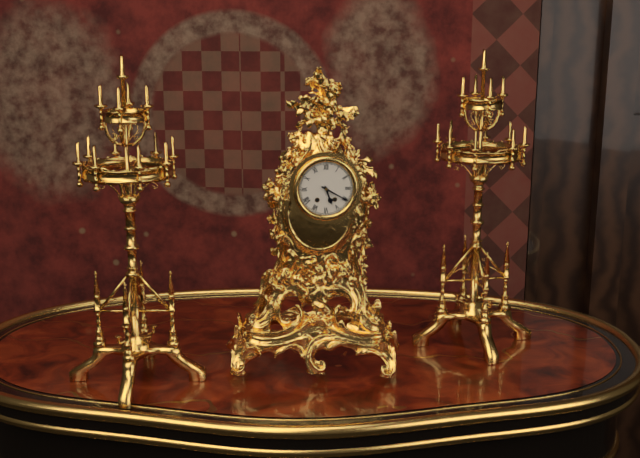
5:20
